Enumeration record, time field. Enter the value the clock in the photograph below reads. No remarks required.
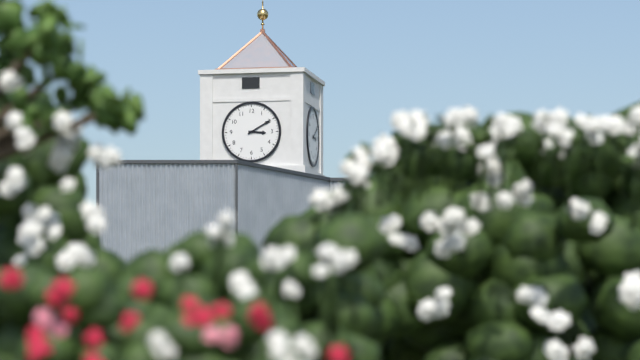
3:10
